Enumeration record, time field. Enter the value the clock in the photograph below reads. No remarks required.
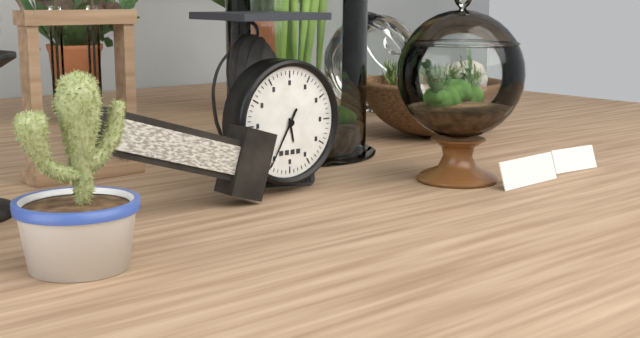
5:35
